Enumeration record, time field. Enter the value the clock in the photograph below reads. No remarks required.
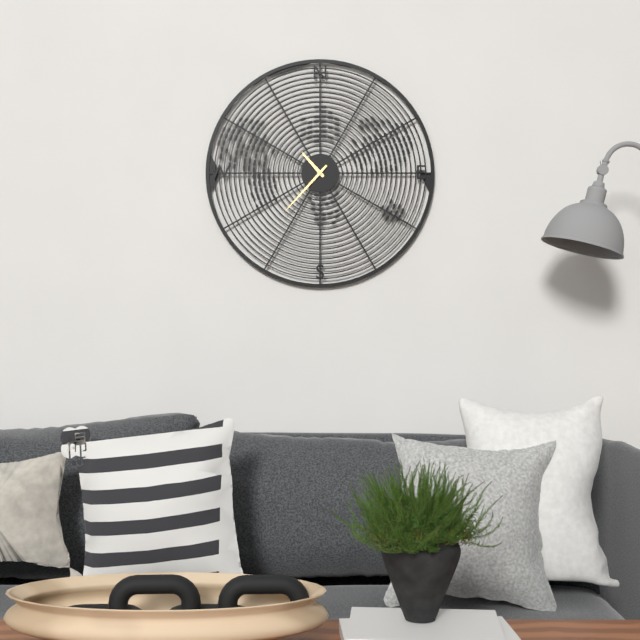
10:37
